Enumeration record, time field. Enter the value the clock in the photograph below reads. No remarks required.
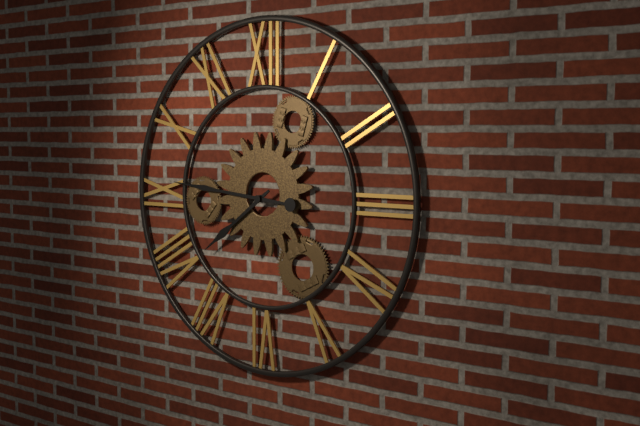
7:46
